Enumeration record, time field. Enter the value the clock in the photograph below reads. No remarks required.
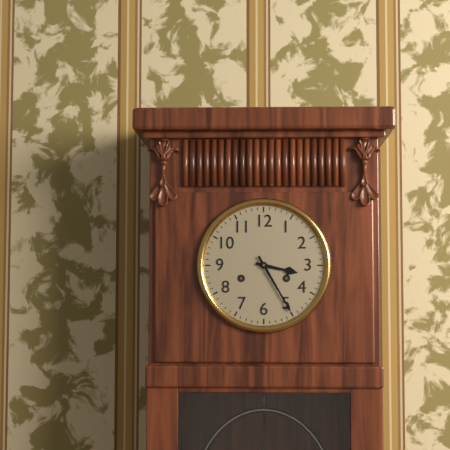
3:25
